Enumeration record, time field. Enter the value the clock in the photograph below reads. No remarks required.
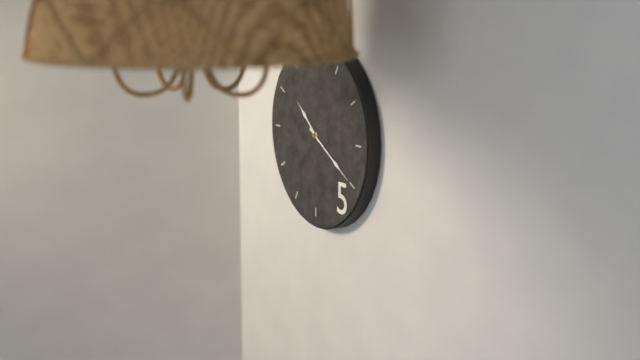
10:20
